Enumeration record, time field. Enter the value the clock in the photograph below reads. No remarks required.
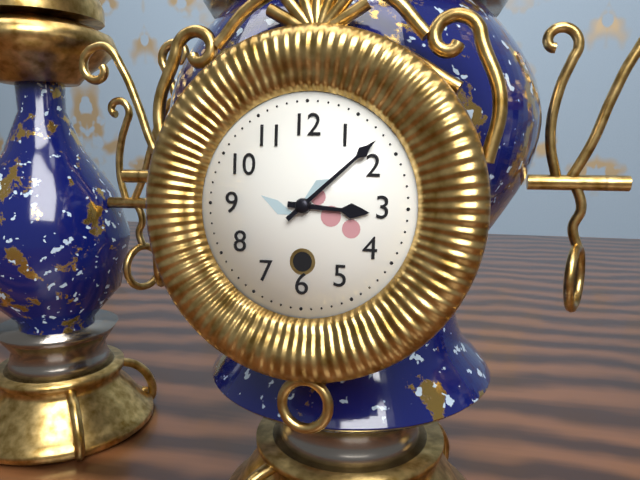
3:08
